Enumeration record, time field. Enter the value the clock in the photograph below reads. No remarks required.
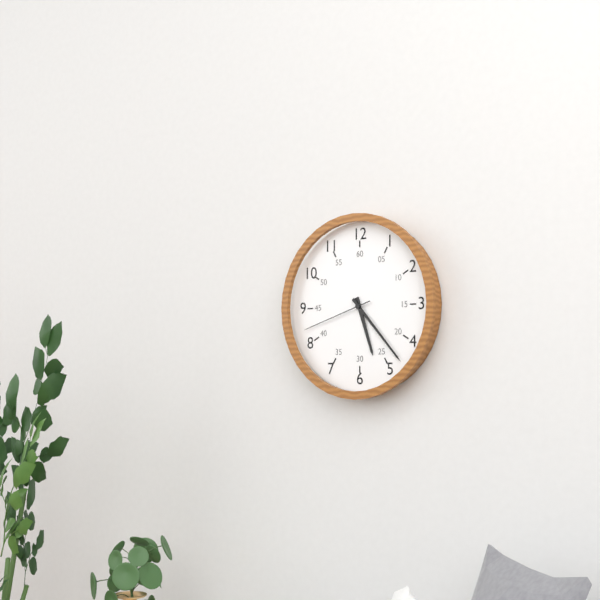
5:23:42
